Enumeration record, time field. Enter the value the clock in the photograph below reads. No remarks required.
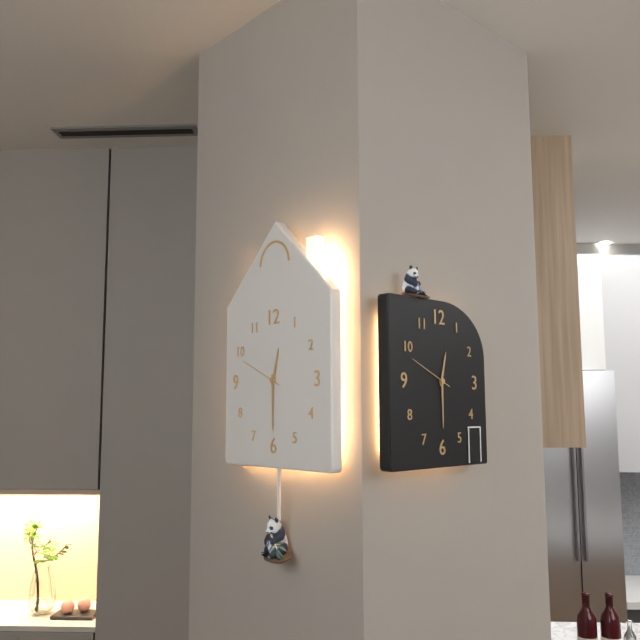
12:30
